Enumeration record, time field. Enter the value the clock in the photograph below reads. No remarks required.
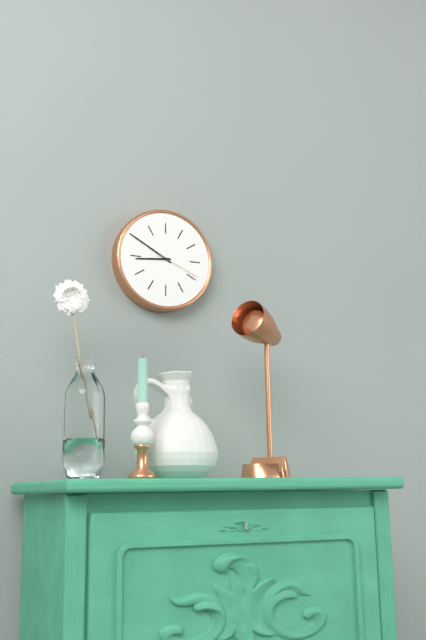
8:50:19
